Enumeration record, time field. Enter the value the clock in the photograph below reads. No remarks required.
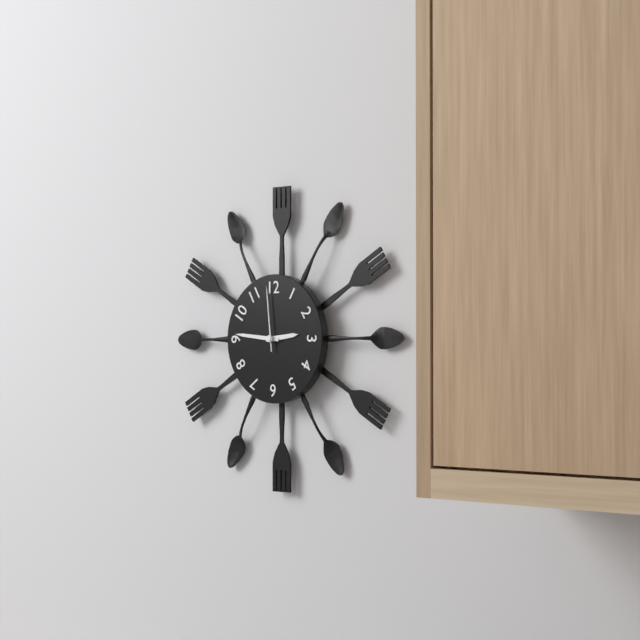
2:46:59
